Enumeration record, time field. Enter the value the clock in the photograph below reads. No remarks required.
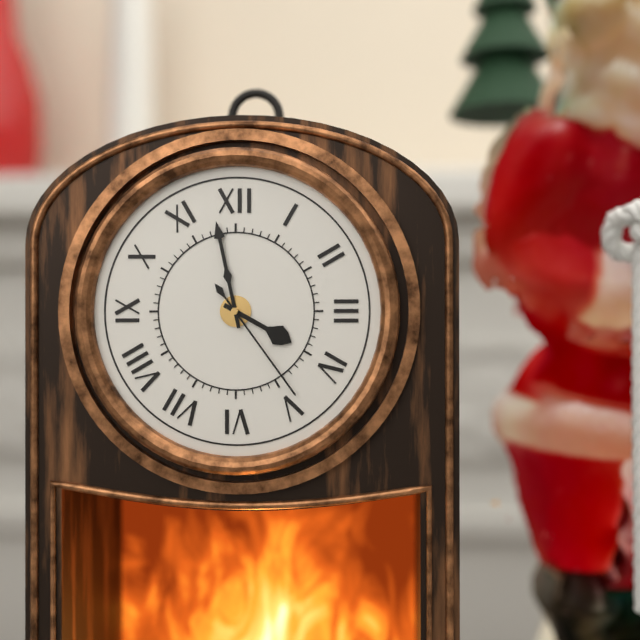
3:58:24
